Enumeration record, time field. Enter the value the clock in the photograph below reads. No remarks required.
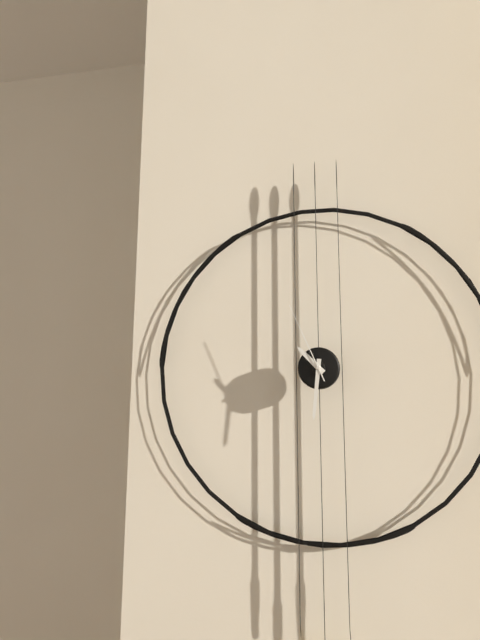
10:31:56
